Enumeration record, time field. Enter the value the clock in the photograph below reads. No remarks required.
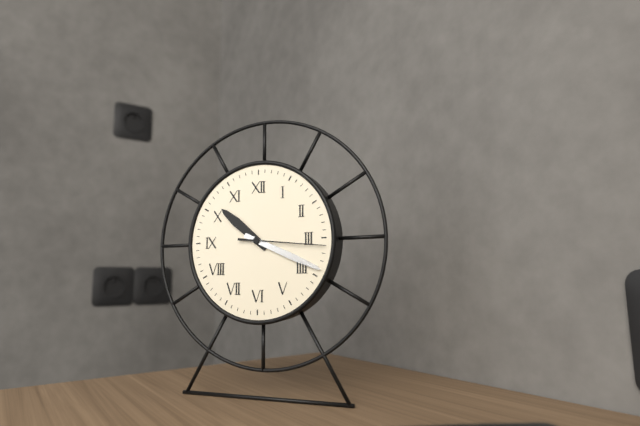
10:19:16
